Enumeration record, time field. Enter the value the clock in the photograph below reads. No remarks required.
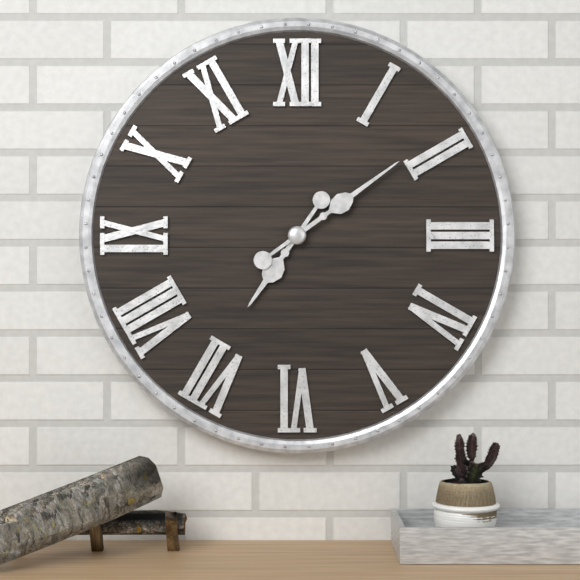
7:09
